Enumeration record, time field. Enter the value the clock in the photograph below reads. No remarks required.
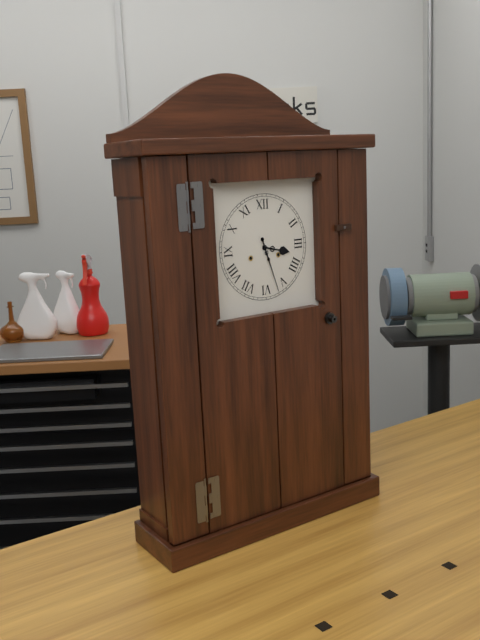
3:27
